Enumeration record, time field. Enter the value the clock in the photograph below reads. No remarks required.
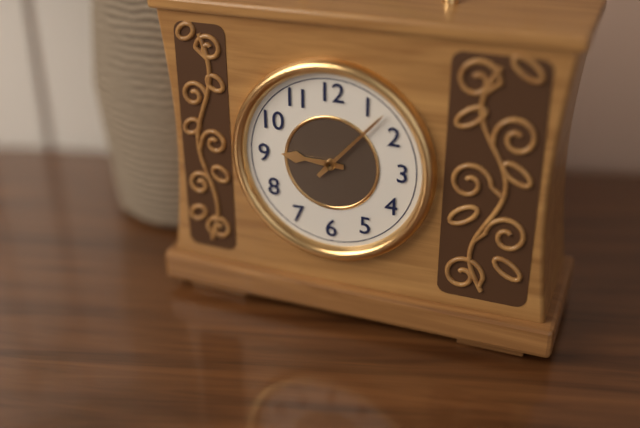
9:07
